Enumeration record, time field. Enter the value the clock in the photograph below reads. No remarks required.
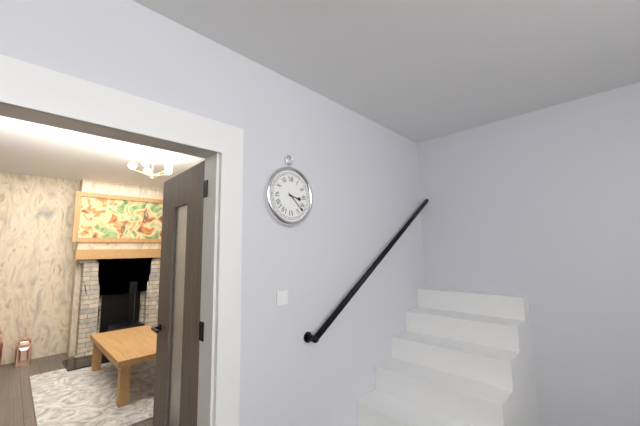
3:22
